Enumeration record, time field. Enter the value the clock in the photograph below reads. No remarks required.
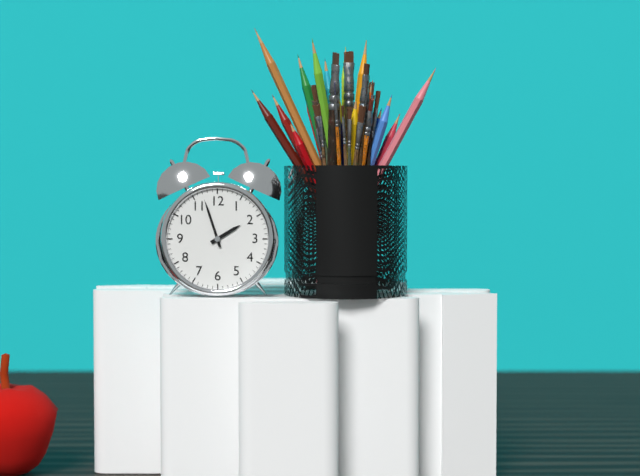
1:57
